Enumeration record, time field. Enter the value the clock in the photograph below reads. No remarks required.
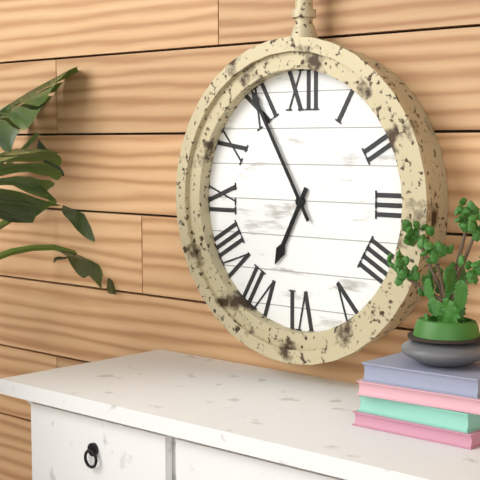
6:55
